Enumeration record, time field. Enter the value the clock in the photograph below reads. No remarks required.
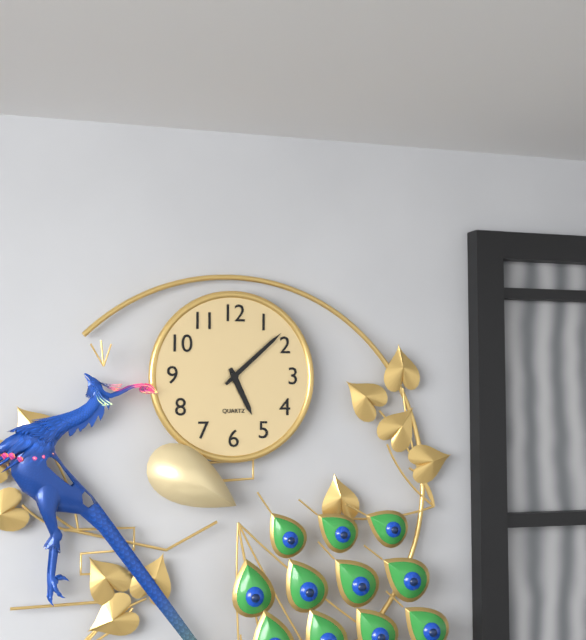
5:08
